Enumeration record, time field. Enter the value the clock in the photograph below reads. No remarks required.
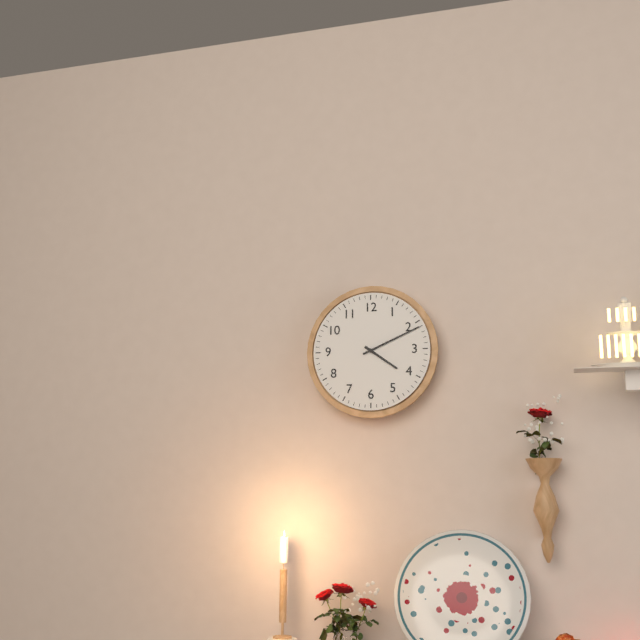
4:11
